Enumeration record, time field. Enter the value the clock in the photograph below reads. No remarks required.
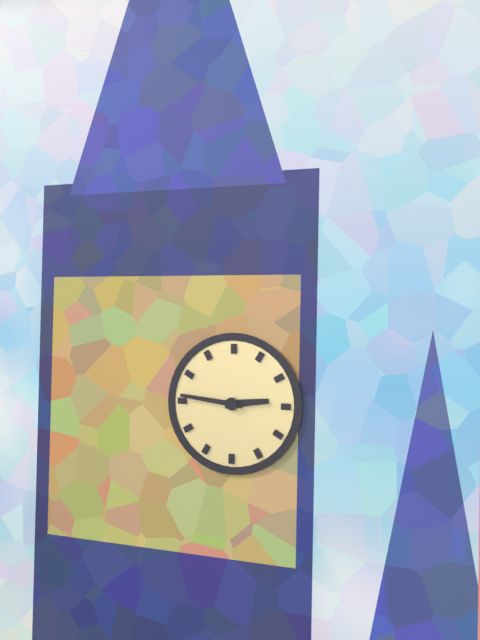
2:46
